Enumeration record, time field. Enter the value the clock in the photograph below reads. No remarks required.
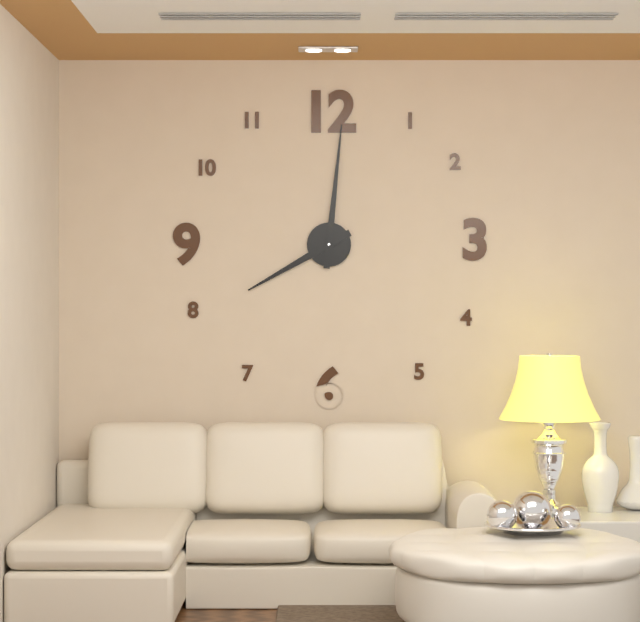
8:01
